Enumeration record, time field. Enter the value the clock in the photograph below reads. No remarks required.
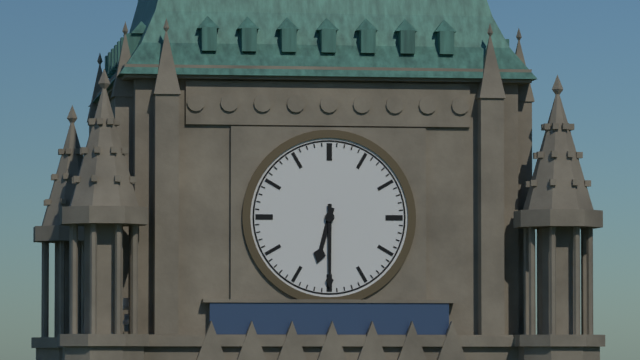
6:30
